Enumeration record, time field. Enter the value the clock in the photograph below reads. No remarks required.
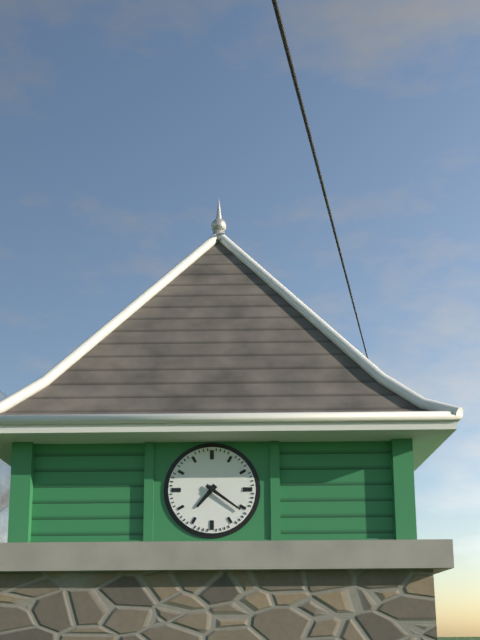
7:21
